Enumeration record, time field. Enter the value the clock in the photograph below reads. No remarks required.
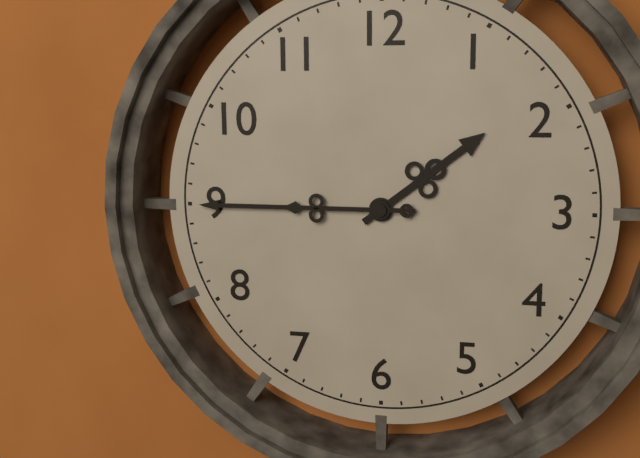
1:45
